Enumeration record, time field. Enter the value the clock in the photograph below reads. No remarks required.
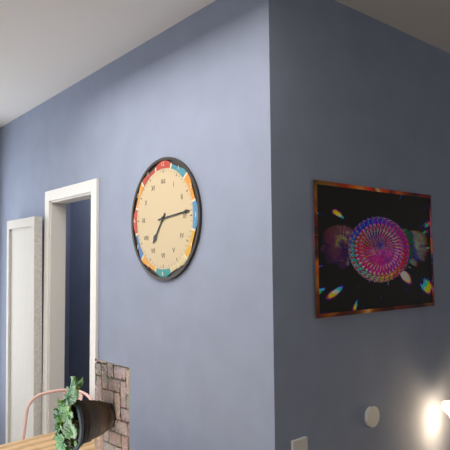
7:14
